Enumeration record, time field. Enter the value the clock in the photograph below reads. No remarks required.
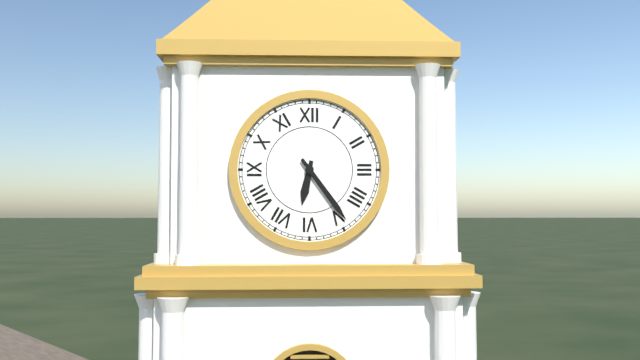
6:24
